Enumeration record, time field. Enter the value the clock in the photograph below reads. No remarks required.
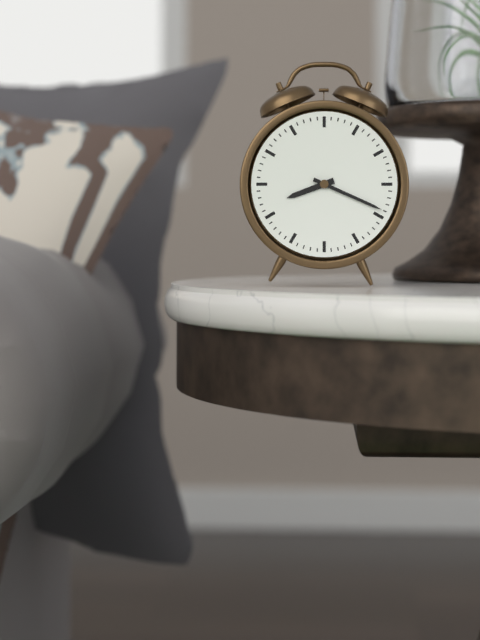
8:19
